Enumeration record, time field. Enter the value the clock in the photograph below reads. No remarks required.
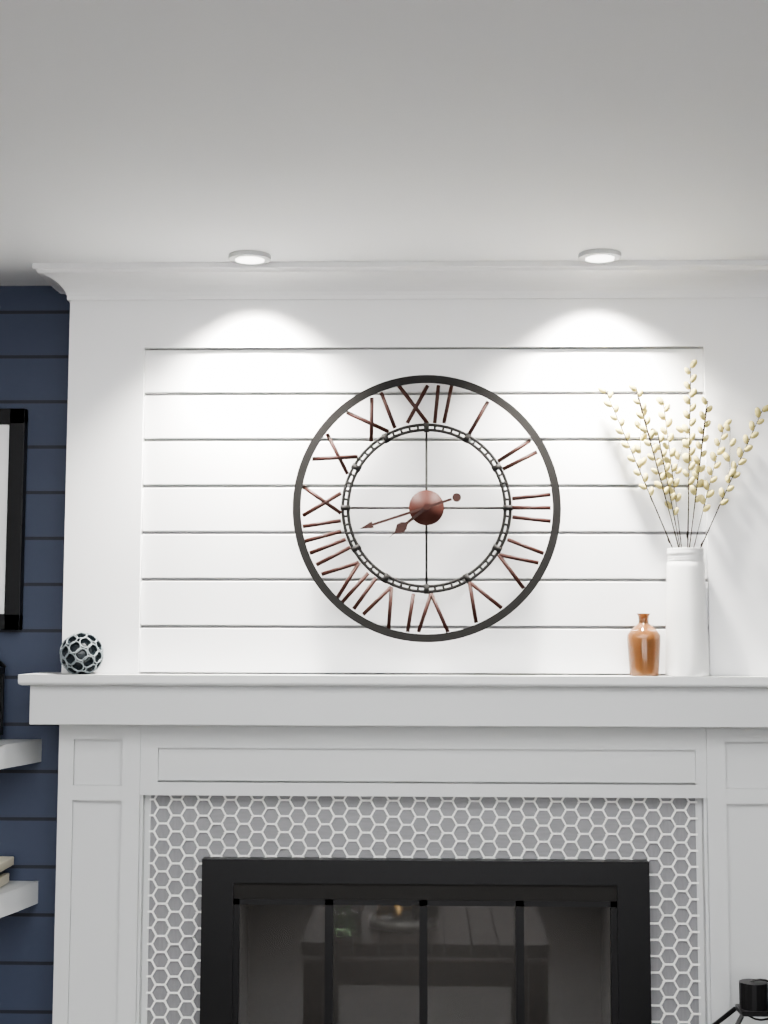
7:42
